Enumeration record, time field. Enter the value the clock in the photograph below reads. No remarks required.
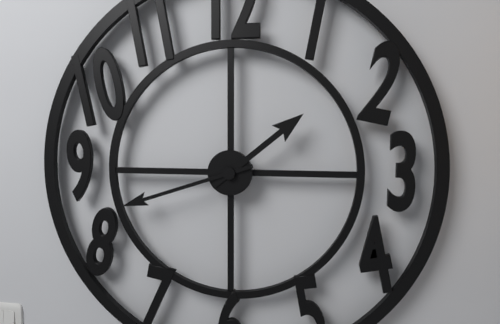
1:42
